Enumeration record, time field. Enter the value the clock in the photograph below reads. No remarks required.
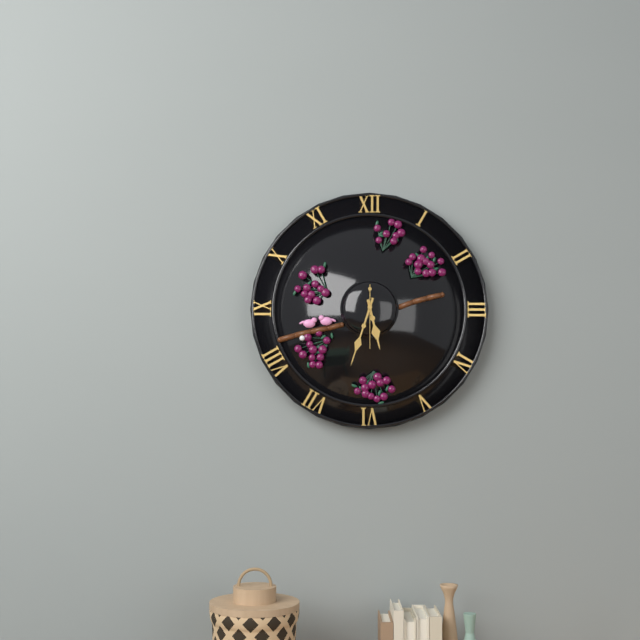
5:33
